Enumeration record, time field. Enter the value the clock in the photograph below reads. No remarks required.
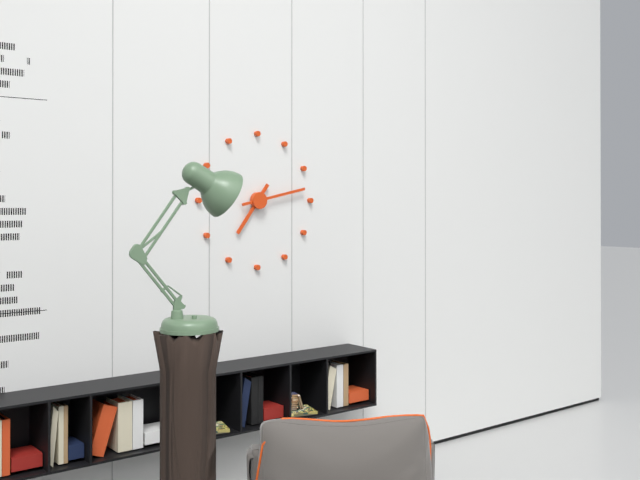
7:13
